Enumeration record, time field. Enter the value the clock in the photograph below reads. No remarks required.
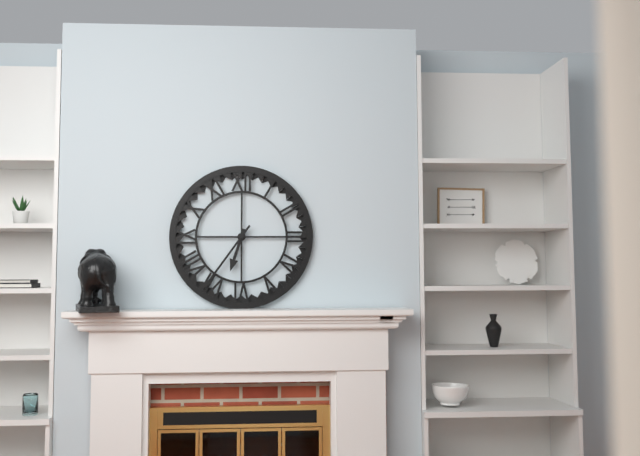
6:36
